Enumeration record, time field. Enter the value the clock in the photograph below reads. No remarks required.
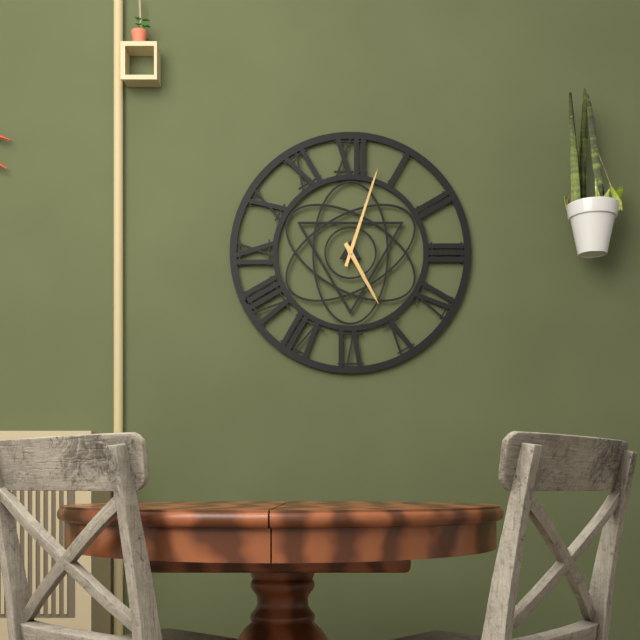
5:03
